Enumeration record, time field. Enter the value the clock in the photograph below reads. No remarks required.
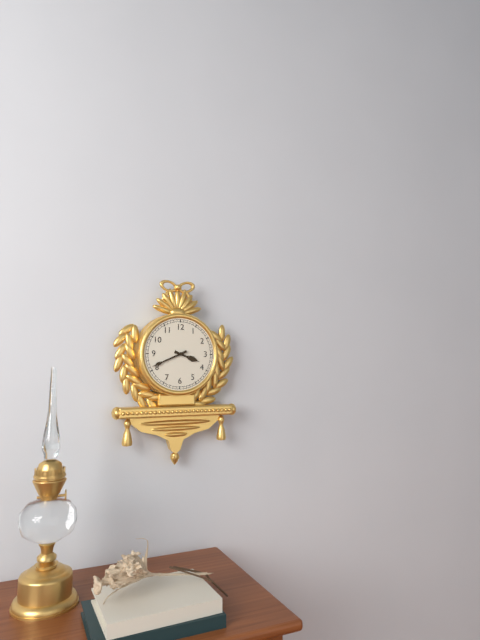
3:41
